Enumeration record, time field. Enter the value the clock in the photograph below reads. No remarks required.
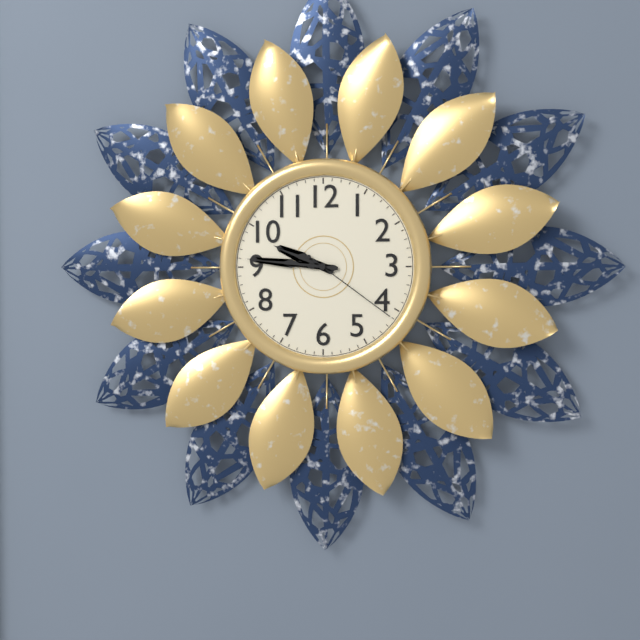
9:46:21
